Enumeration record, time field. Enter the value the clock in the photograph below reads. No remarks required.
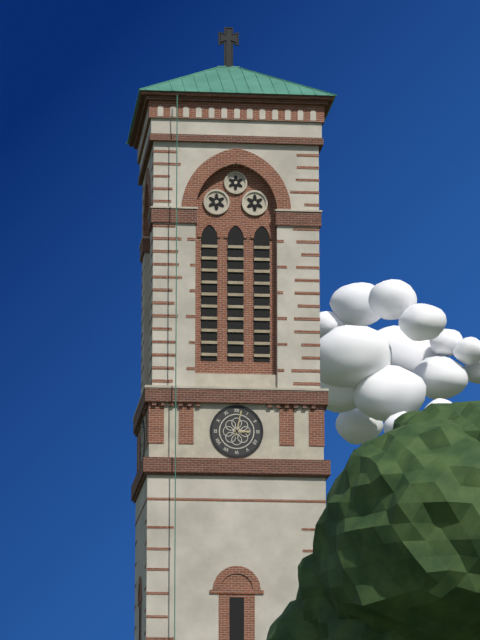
3:02
